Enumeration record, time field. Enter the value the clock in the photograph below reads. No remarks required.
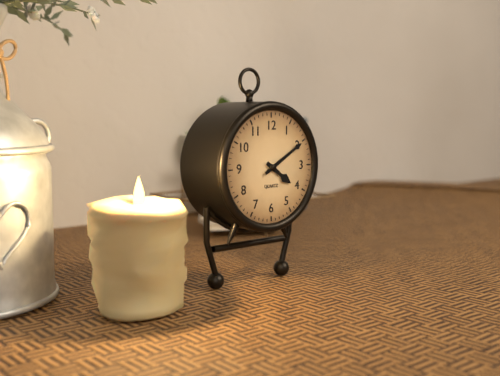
4:10
